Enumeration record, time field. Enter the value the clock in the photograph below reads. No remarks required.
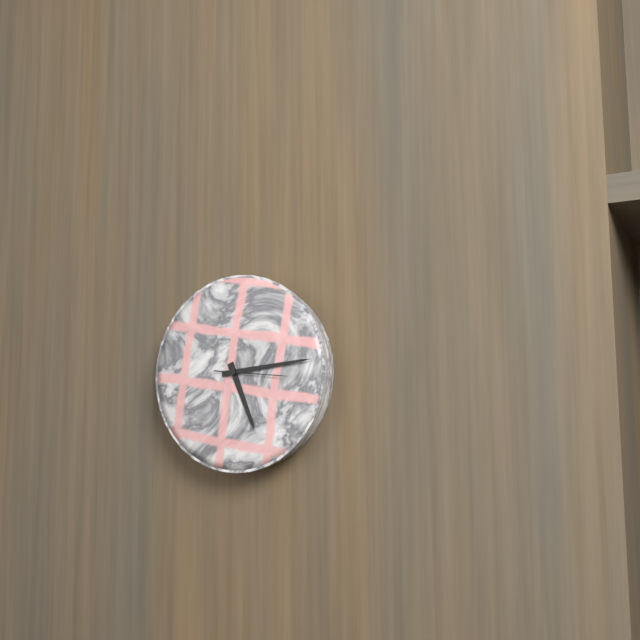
5:14:16
